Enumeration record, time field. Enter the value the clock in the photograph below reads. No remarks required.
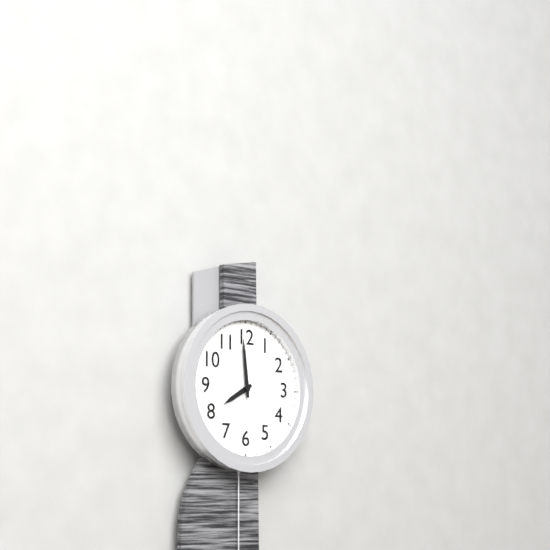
7:59
